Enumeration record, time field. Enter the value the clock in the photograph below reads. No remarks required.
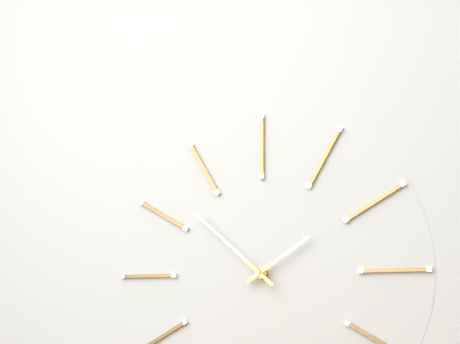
1:52
